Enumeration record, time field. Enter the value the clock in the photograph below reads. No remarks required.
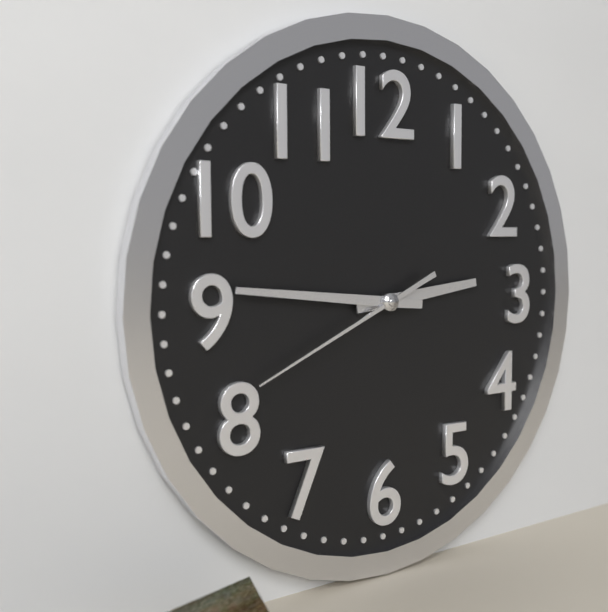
2:46:41
